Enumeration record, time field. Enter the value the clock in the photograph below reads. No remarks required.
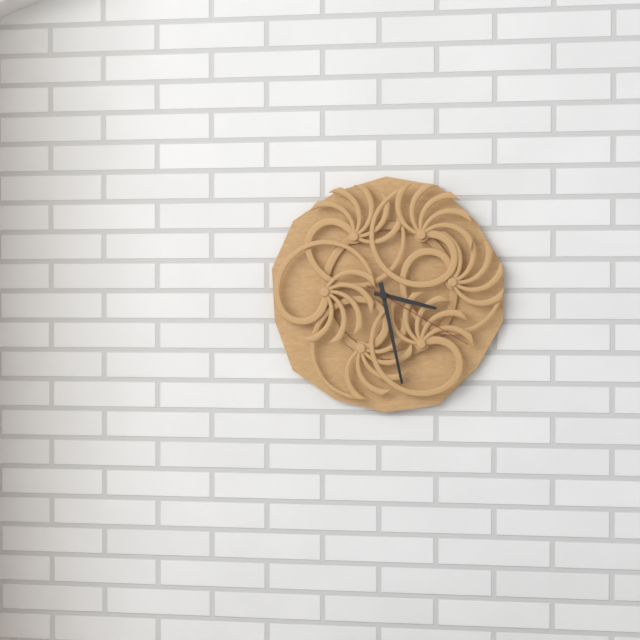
3:28:20
